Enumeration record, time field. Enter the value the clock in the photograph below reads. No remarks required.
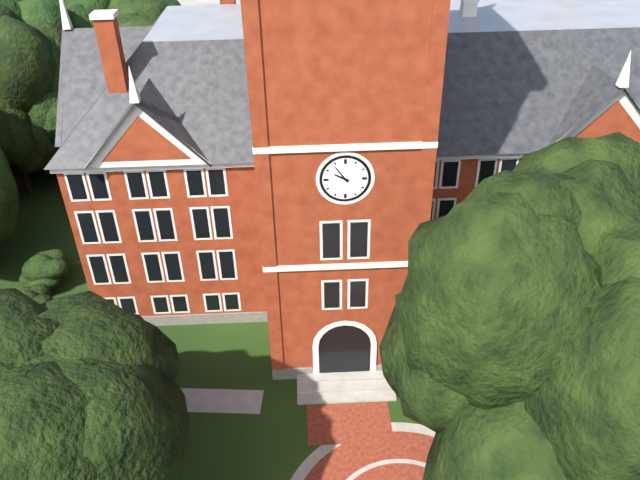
9:54
